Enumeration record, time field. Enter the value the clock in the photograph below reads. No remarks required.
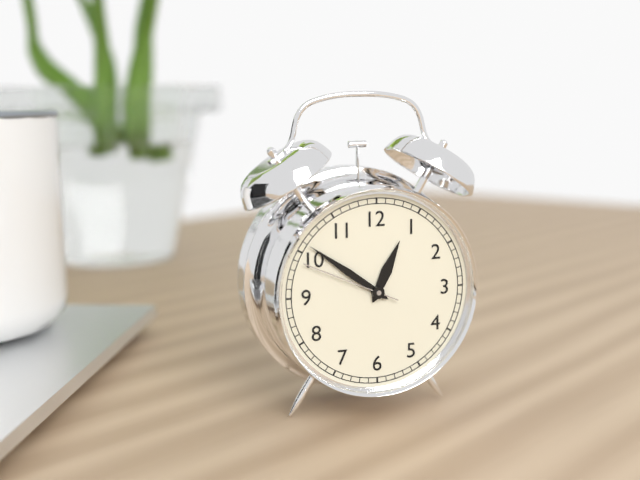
12:51:49
